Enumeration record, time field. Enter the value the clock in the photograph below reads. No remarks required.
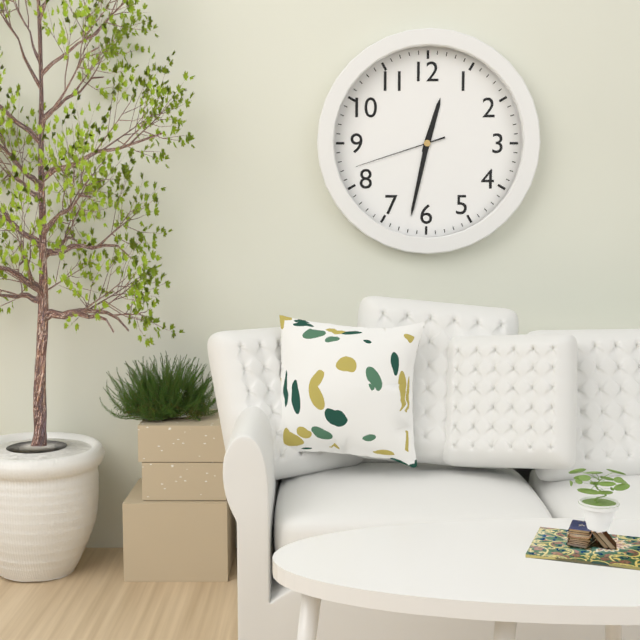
12:32:42
